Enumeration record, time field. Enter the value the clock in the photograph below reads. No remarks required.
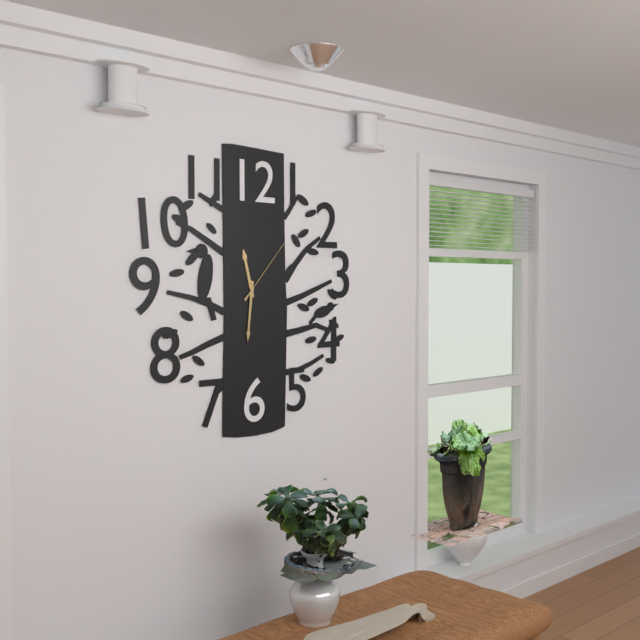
11:31:07
